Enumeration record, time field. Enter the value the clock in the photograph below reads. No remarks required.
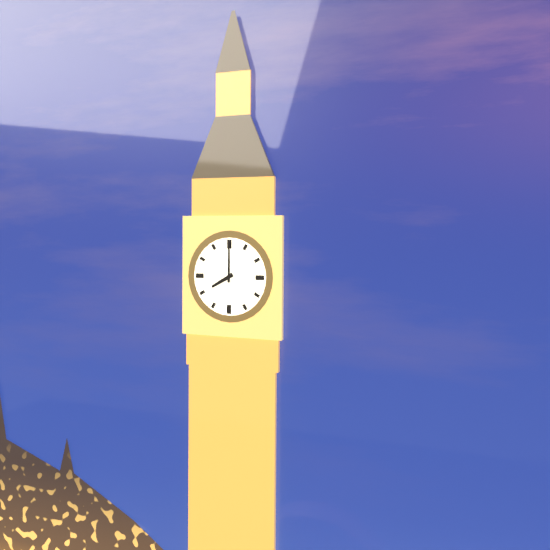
8:00
